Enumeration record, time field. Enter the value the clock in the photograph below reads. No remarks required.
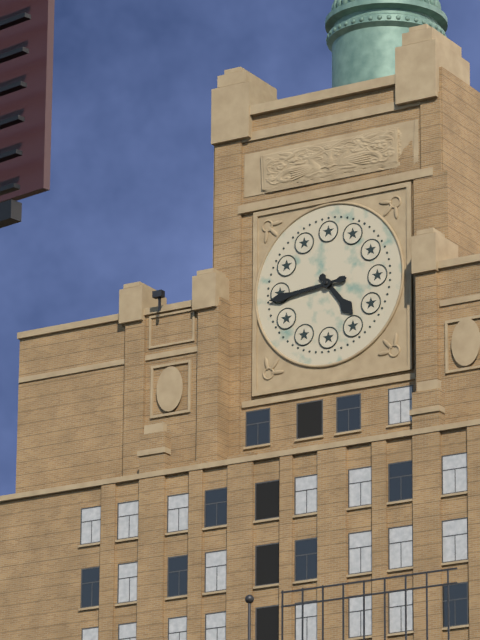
4:44
